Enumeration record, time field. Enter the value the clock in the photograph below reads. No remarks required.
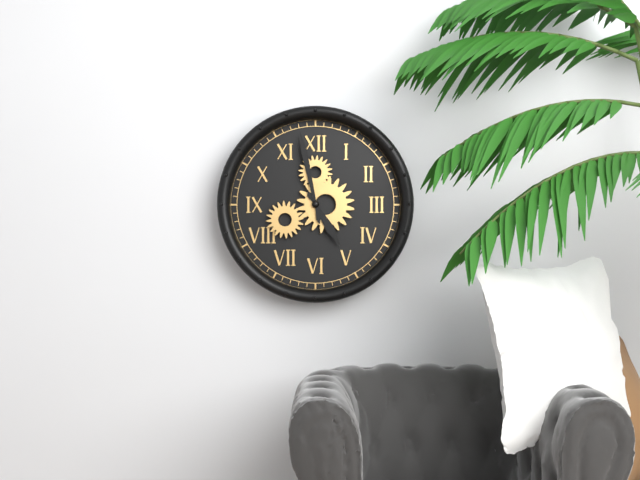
4:58
